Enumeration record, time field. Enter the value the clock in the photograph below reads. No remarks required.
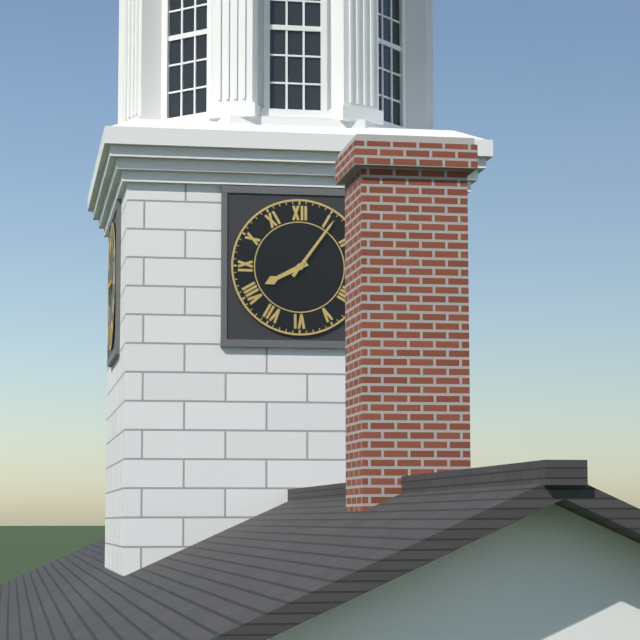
8:06
